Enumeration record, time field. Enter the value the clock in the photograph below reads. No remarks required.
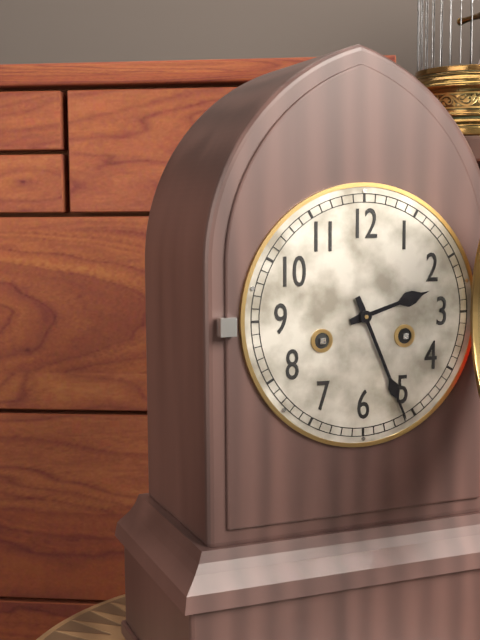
2:26
